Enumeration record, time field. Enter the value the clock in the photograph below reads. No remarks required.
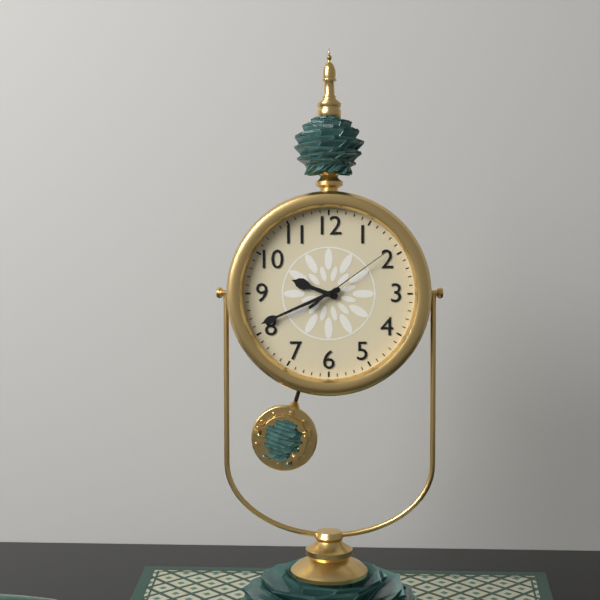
9:41:09
